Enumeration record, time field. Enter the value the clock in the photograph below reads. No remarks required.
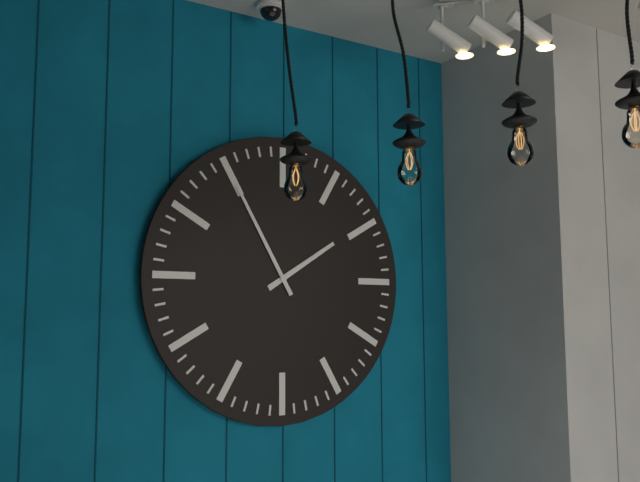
1:55
